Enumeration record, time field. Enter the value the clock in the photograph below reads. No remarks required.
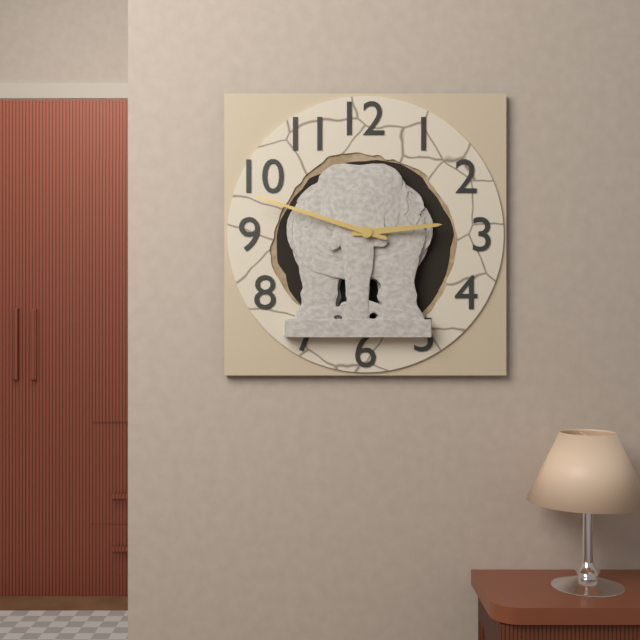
2:48
